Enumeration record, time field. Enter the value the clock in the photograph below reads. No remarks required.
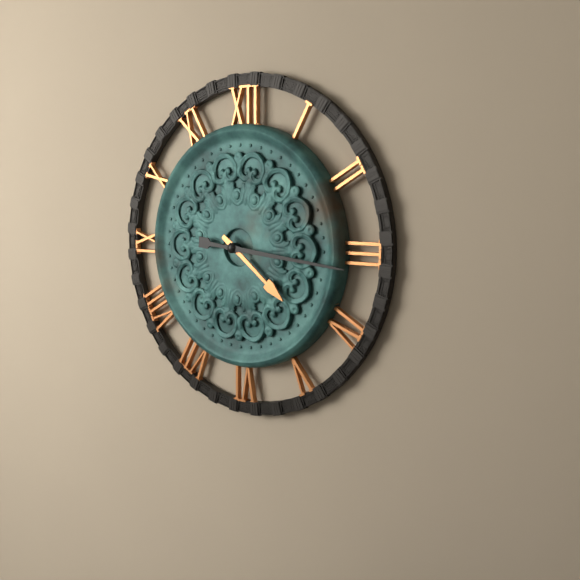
4:16
